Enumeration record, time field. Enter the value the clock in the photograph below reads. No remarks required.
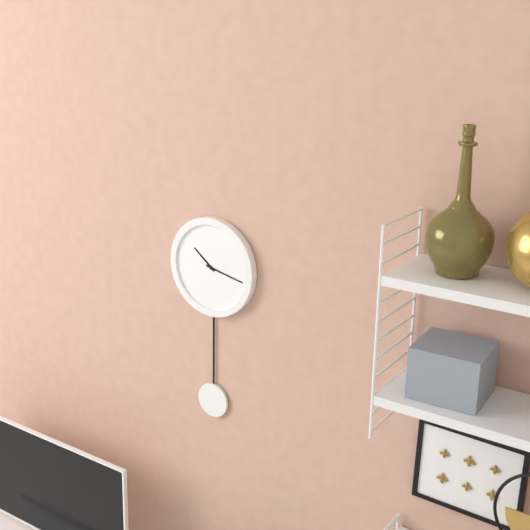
10:17
